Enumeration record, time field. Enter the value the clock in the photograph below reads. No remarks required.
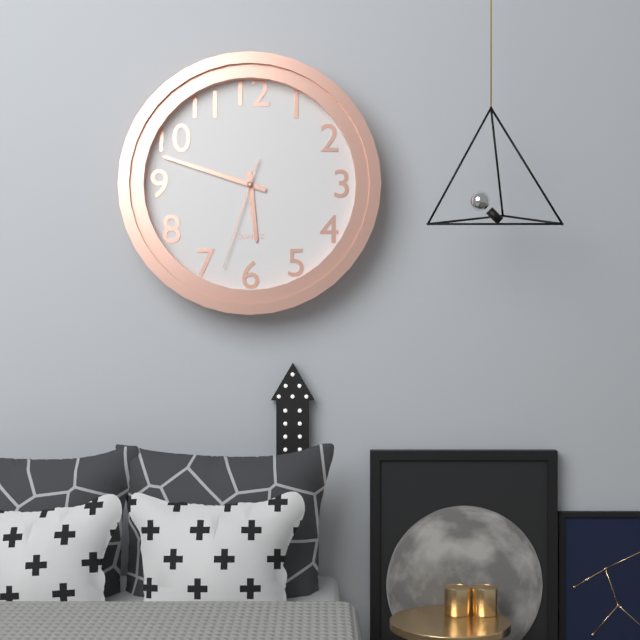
5:48:33
